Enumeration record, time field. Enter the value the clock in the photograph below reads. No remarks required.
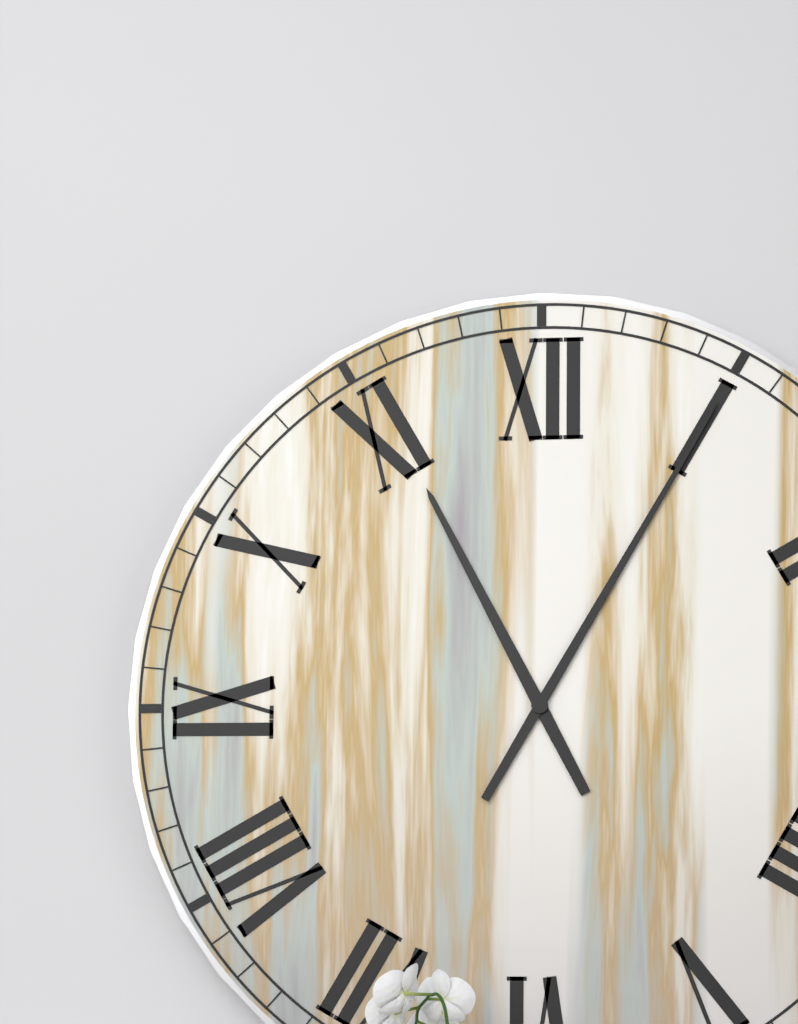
11:05
